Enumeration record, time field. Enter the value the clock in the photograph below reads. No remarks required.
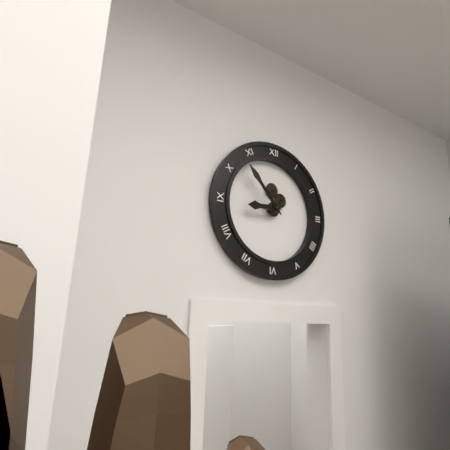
8:53
